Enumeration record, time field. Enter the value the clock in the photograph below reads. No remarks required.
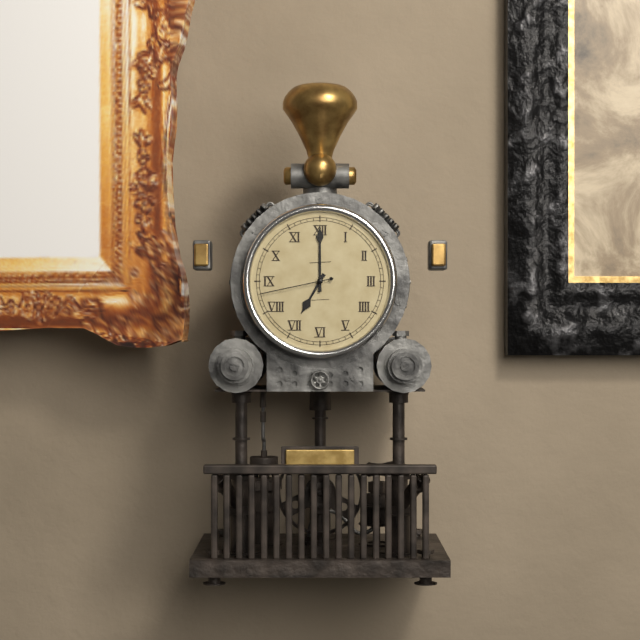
7:00:43
